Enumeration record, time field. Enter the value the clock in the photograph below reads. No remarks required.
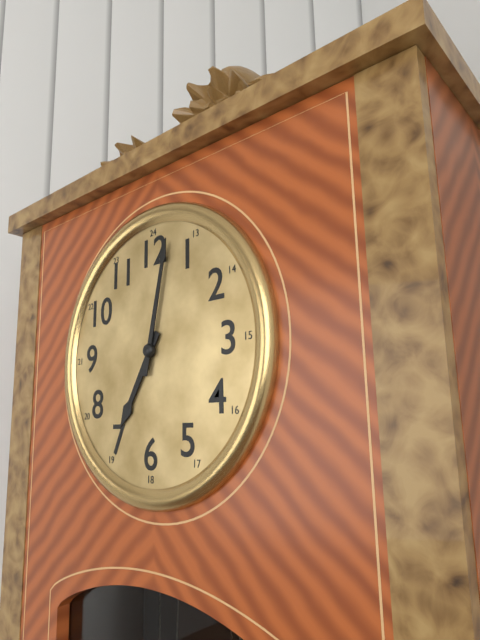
7:02
